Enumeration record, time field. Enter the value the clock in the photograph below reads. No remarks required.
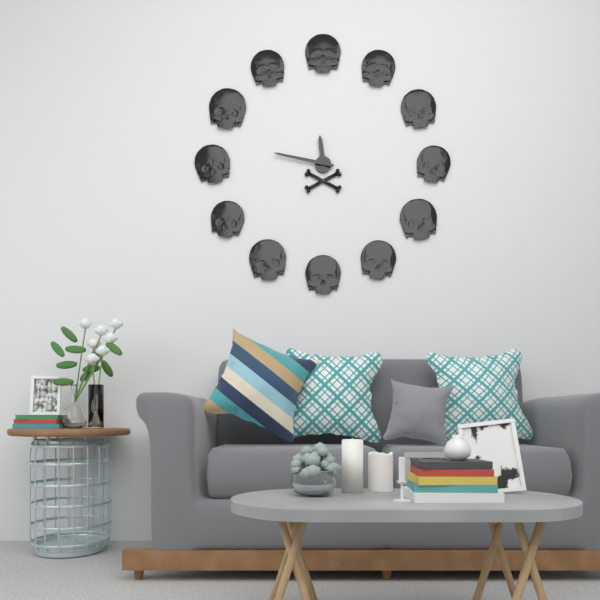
11:47
